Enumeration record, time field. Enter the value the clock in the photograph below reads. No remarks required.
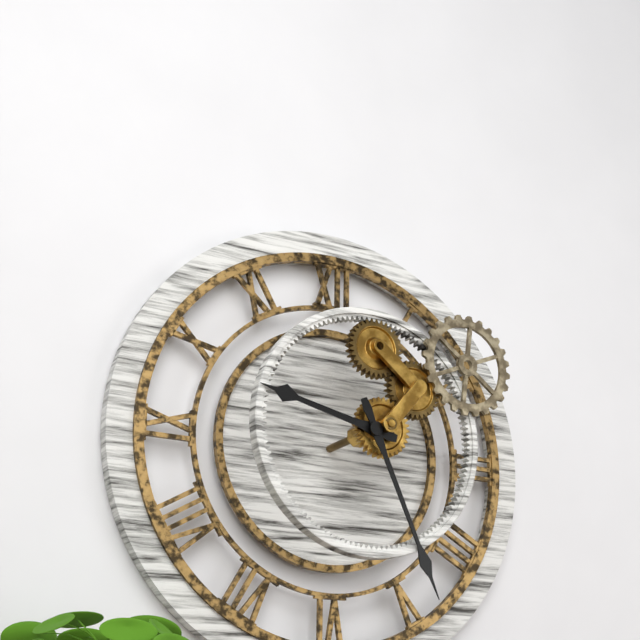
9:26
